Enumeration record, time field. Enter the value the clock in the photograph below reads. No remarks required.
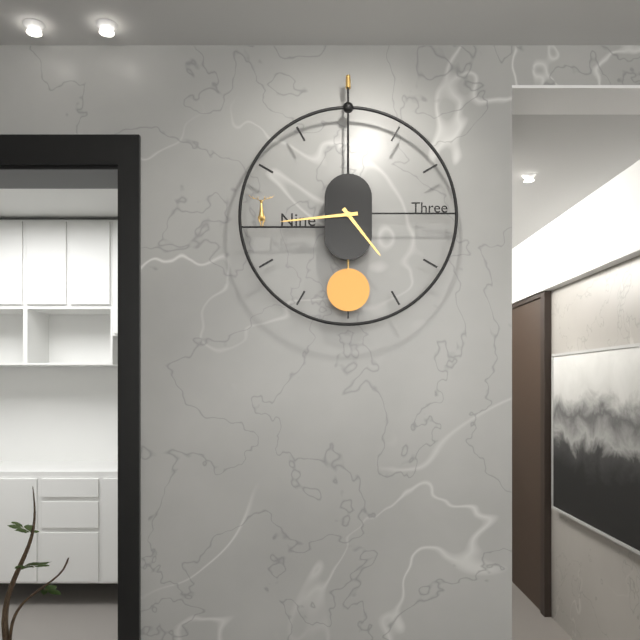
4:44
